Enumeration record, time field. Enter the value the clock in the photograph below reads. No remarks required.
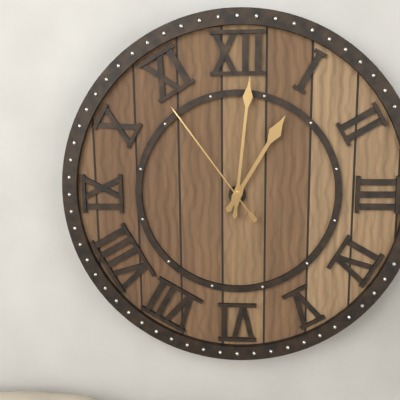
1:01:54
